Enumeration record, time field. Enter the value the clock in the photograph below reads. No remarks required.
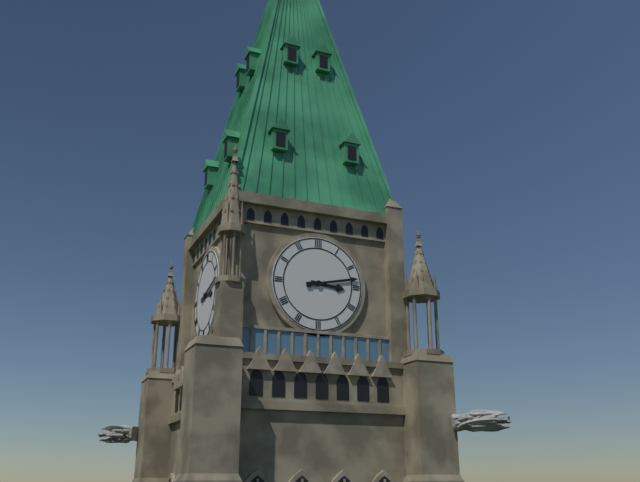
3:13
